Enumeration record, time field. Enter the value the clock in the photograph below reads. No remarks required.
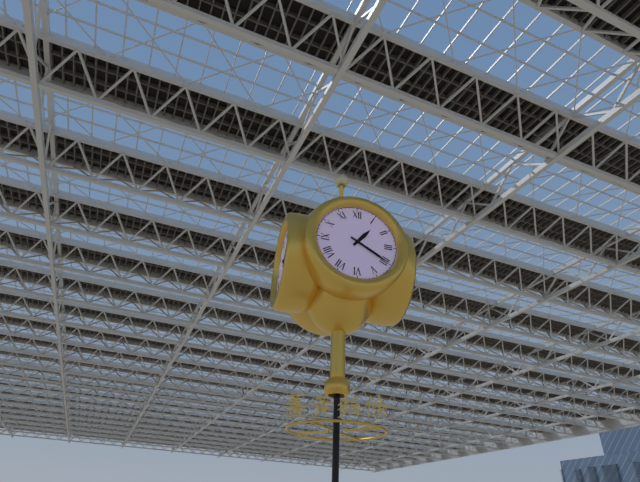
1:20
